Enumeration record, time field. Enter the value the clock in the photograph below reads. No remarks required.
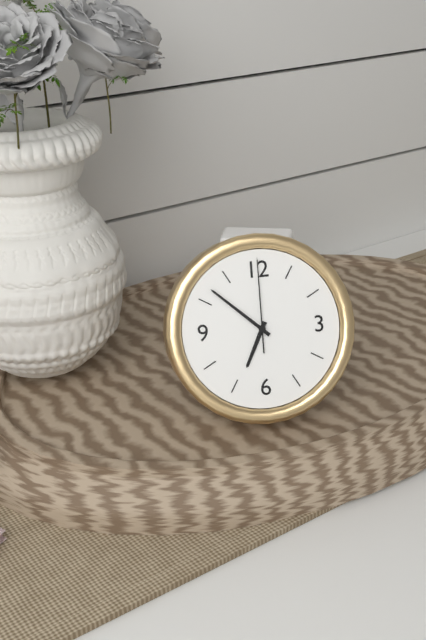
6:52:00
